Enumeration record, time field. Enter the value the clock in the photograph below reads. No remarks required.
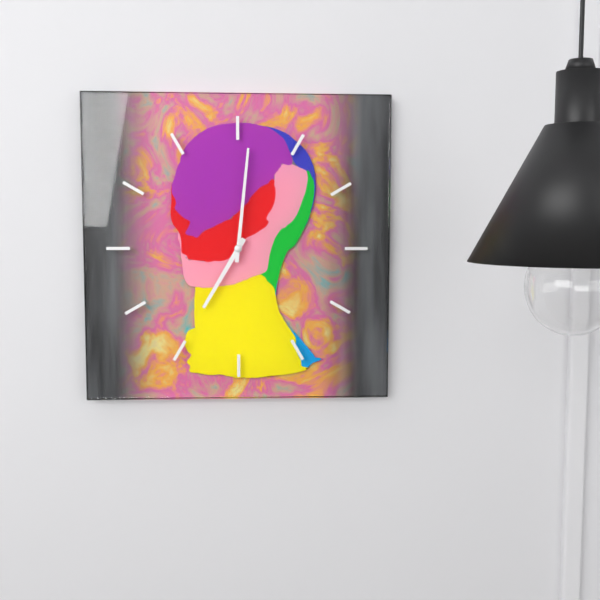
7:01
